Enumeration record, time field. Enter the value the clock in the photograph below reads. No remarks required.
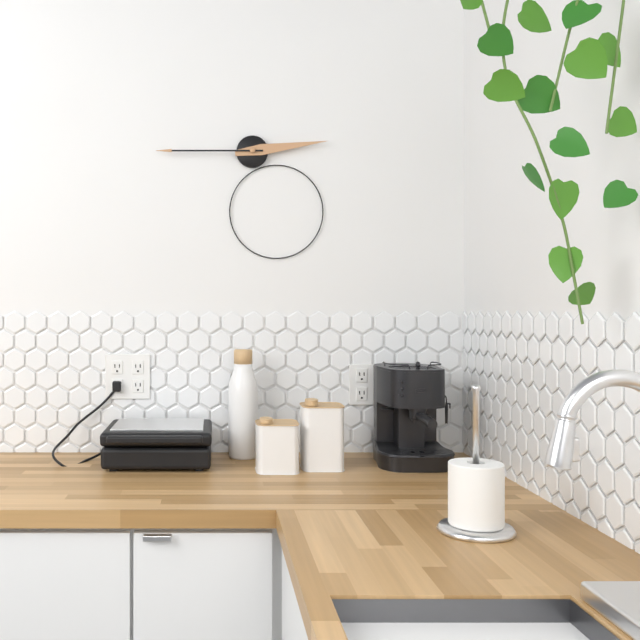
2:45
